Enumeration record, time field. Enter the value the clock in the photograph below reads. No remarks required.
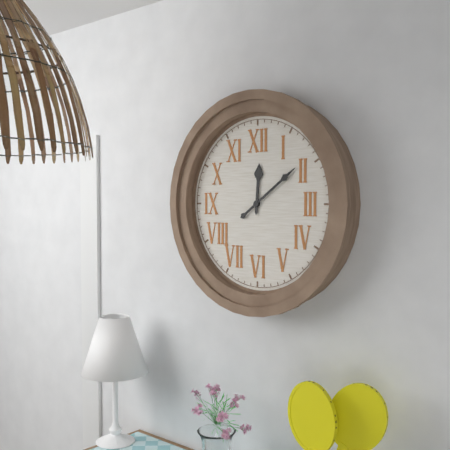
12:09
